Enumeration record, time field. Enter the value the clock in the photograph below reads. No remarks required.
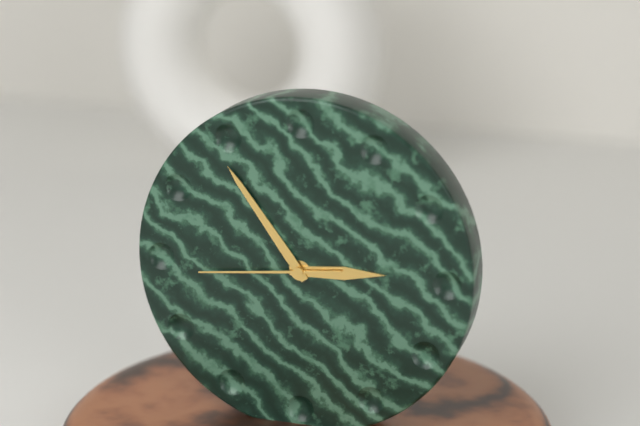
2:54:44
